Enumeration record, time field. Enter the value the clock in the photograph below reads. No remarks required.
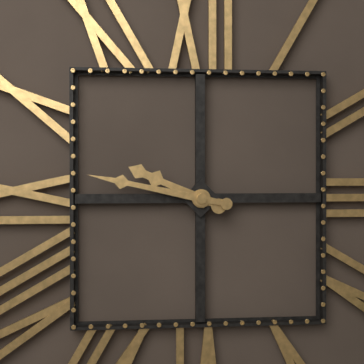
9:47
